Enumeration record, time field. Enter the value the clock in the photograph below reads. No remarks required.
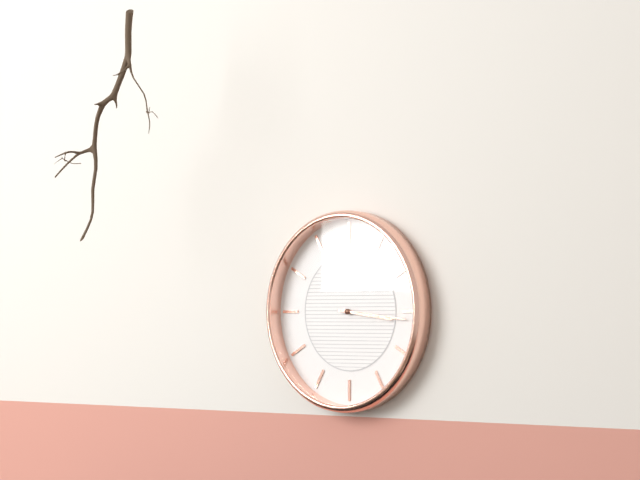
3:16
